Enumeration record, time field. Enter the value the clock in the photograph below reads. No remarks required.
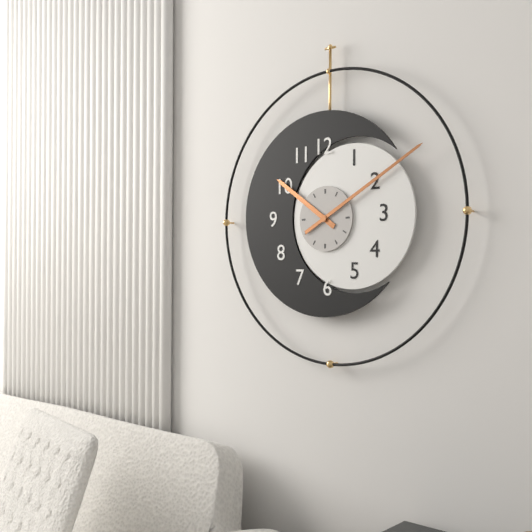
10:10
